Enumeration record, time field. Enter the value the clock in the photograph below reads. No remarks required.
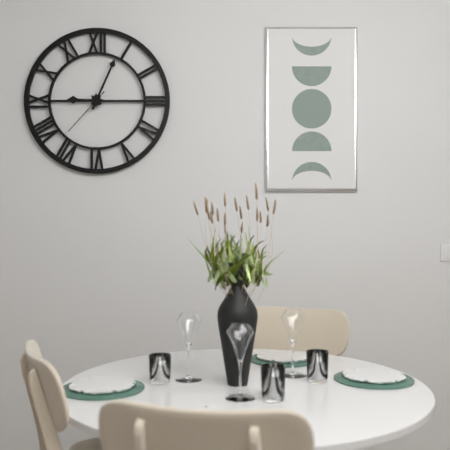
9:04:37
